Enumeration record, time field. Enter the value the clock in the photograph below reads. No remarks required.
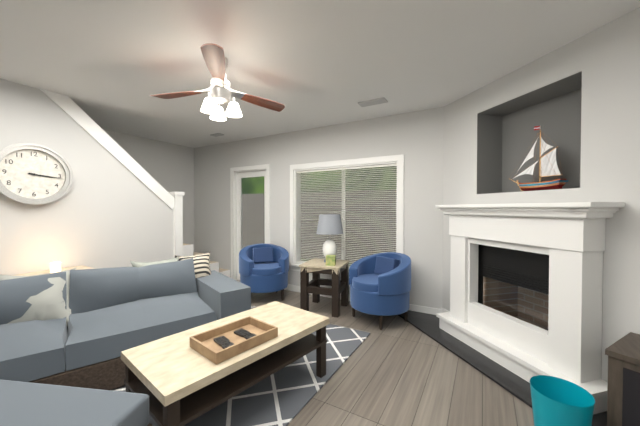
3:16
